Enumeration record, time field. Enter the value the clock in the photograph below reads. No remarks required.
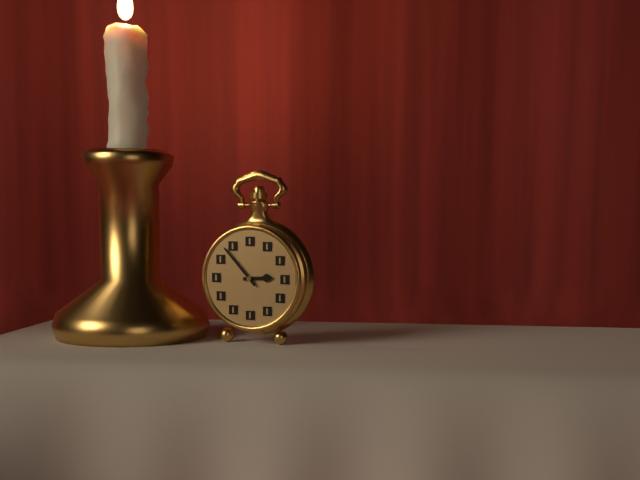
2:53
